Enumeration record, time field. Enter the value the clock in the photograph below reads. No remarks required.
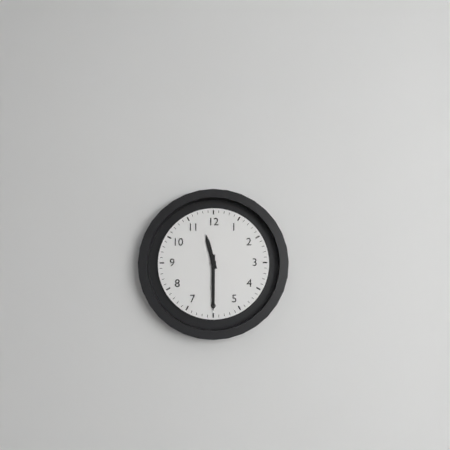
11:30
